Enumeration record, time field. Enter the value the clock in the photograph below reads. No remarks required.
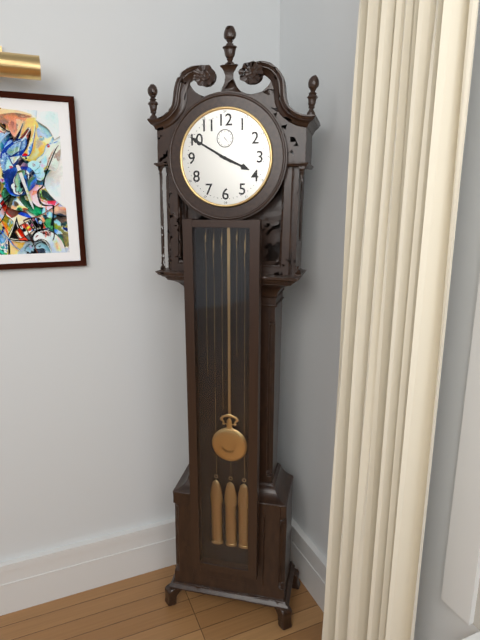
3:50
